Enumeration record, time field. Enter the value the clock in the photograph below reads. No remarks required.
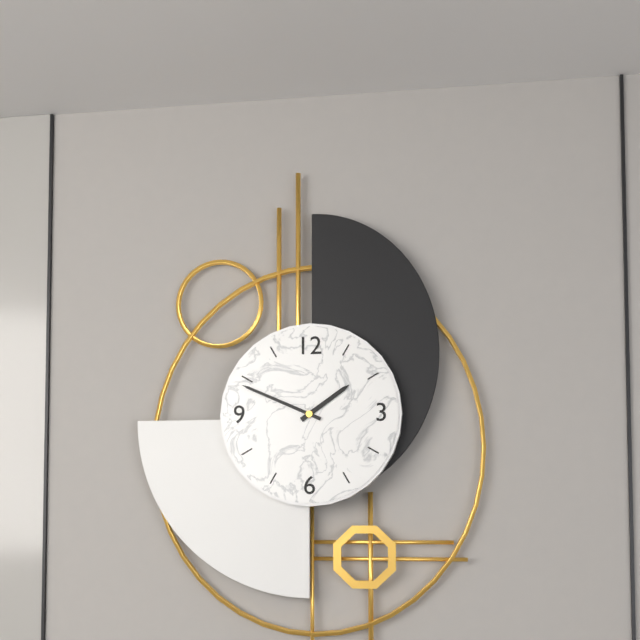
1:49
